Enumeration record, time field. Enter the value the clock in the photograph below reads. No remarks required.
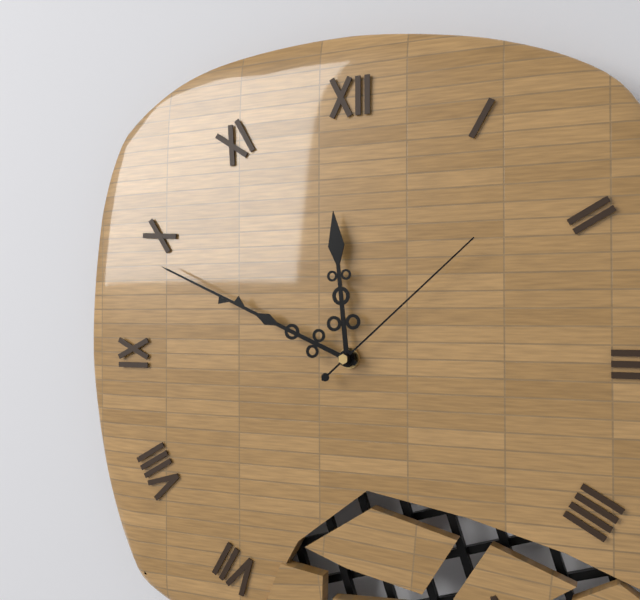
11:49:08
